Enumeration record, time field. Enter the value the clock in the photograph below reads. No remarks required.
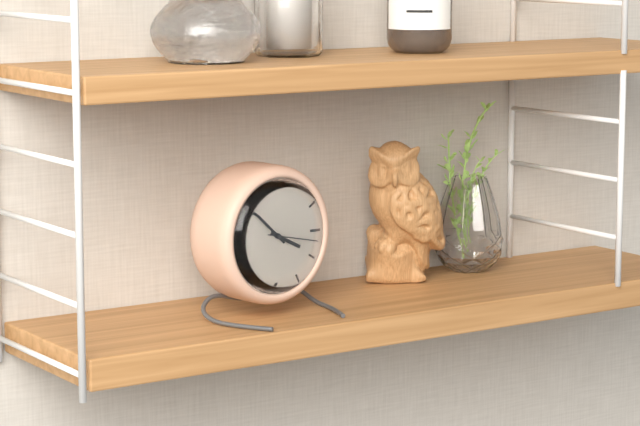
3:52:17
